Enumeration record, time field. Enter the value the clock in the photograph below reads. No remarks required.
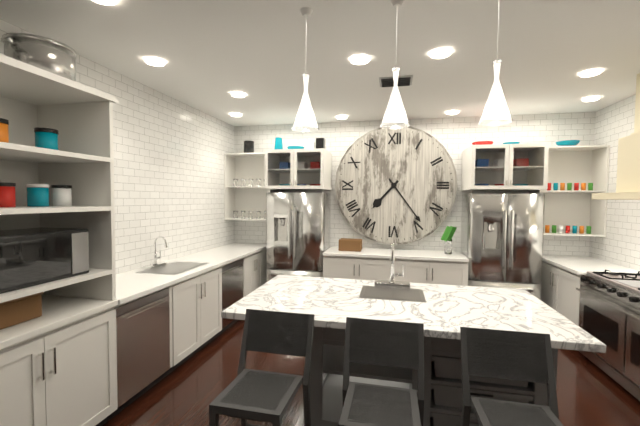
7:24
